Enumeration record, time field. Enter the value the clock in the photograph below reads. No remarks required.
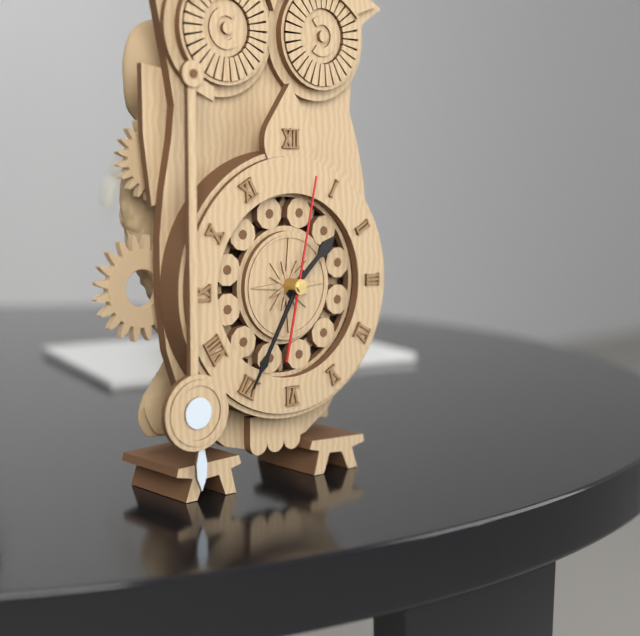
1:35:02
